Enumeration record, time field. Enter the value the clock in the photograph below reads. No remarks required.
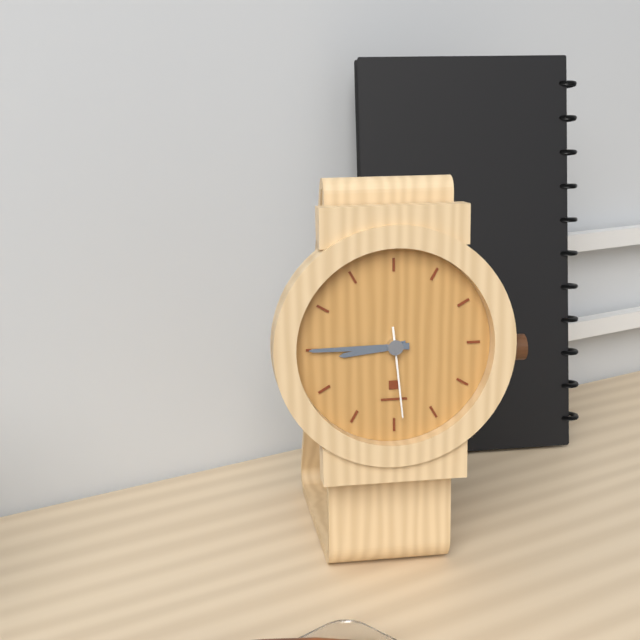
8:45:29
